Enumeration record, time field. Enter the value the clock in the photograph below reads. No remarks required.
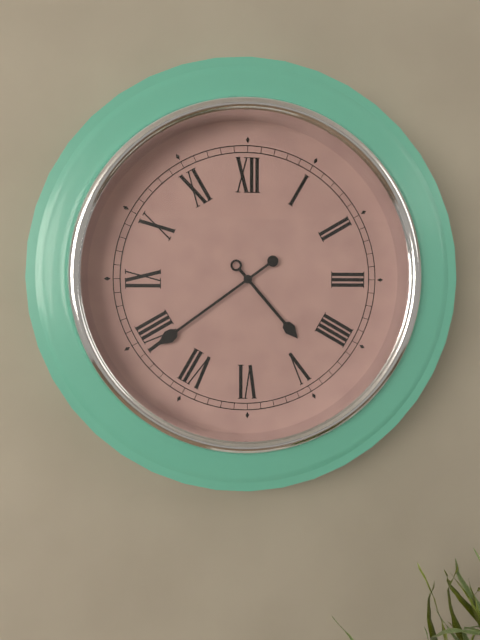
4:39
